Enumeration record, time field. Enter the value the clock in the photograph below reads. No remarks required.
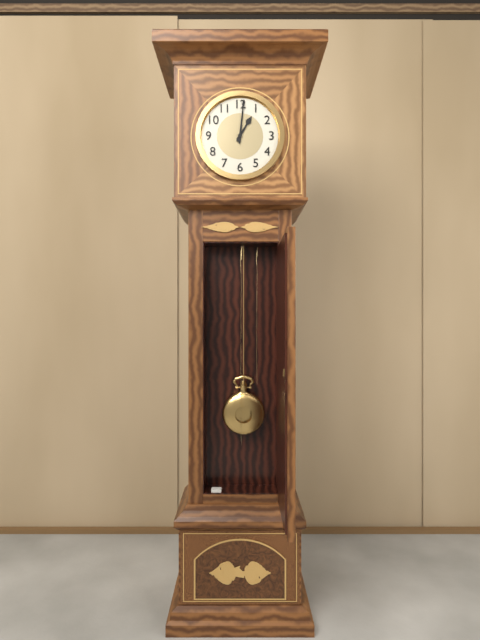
1:01
